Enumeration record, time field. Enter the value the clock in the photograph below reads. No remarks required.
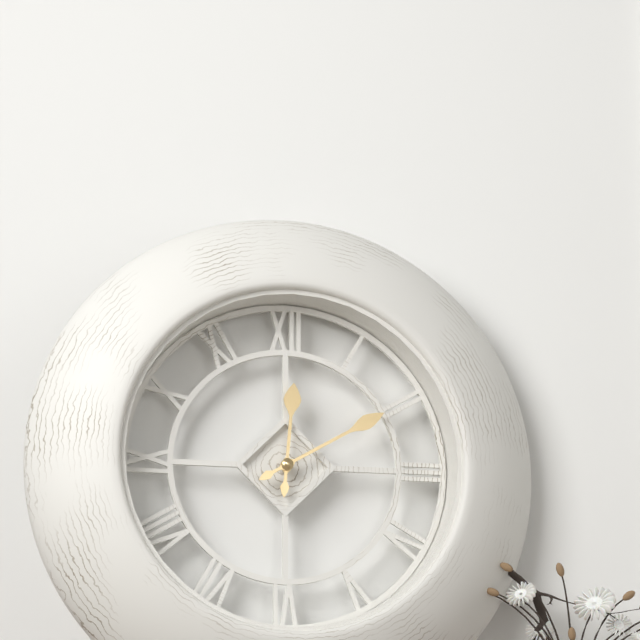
12:10
